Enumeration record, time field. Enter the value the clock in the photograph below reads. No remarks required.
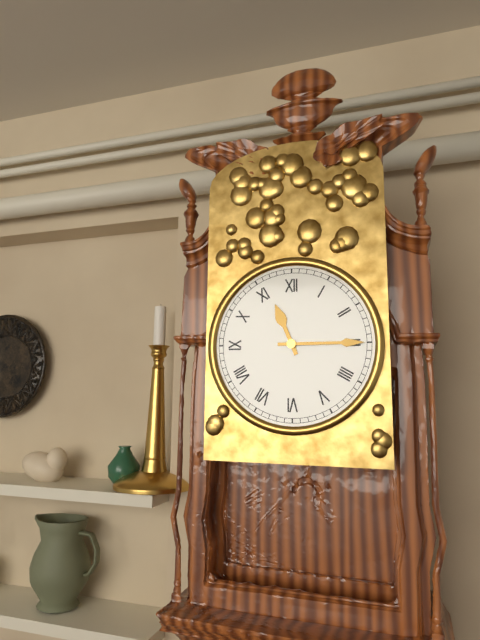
11:15
